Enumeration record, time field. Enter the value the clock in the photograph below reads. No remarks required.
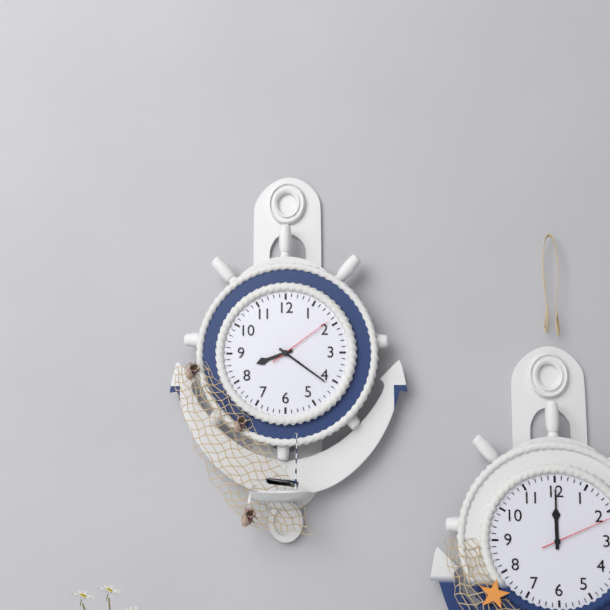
8:21:09
